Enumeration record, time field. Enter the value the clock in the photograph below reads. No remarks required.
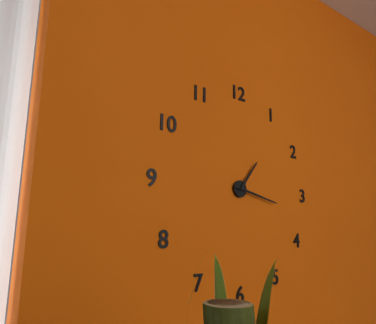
1:17
